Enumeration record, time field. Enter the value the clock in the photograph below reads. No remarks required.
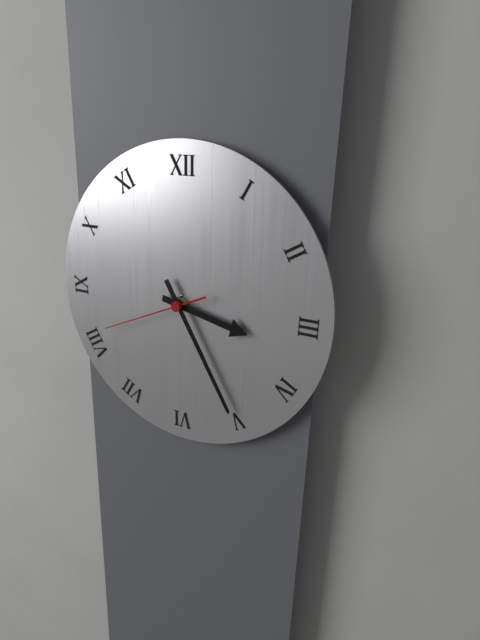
3:25:41
